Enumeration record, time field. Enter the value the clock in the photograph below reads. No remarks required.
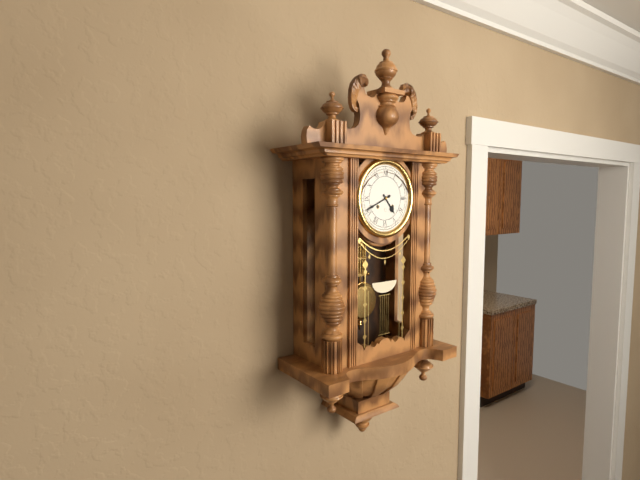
4:41
